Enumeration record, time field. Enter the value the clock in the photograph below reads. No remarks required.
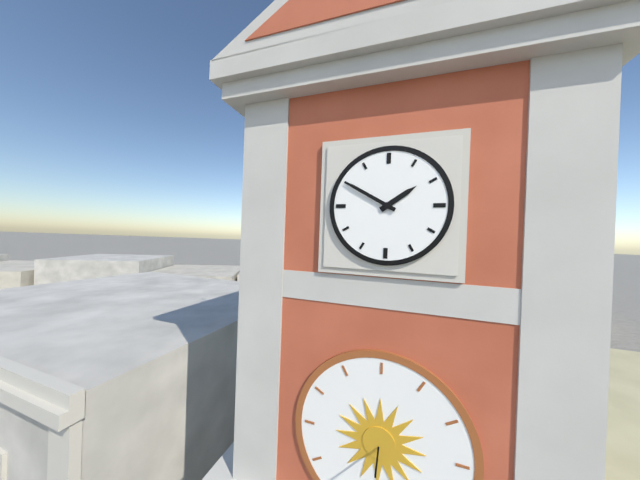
1:50
